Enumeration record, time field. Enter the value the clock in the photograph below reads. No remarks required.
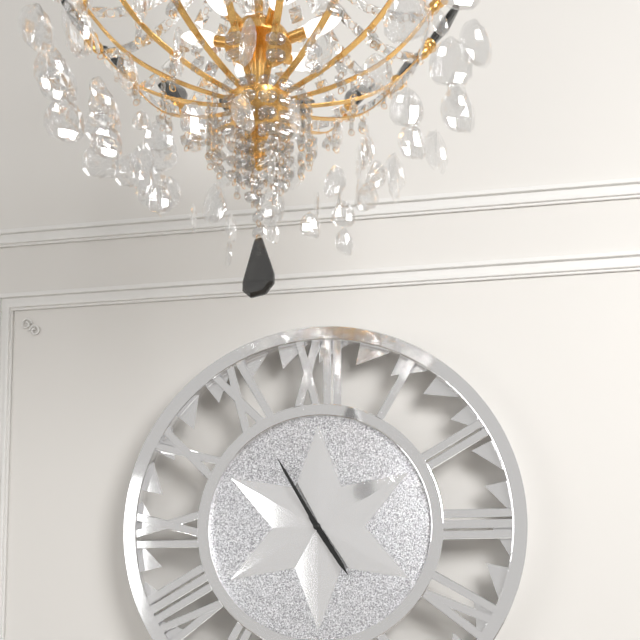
4:55
